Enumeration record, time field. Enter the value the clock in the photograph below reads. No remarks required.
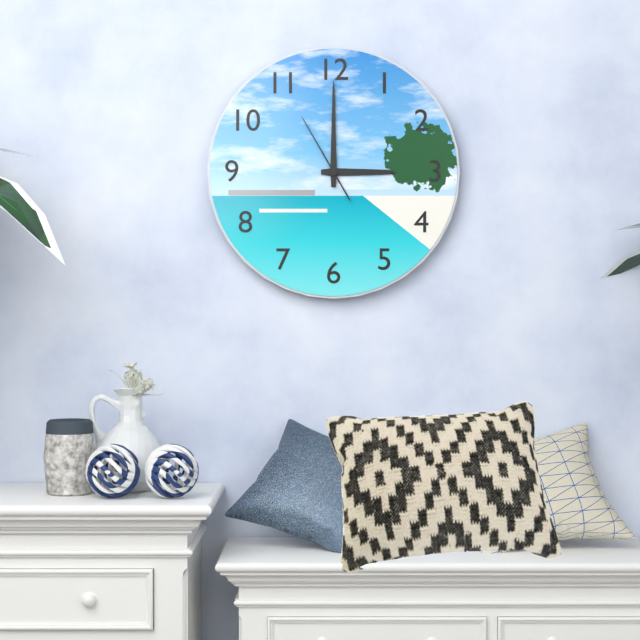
3:00:55
